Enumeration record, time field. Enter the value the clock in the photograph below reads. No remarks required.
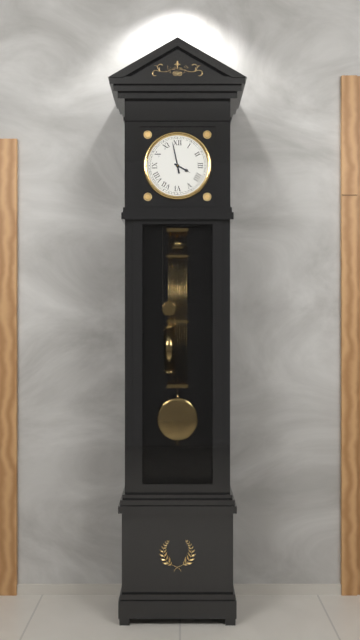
3:58
